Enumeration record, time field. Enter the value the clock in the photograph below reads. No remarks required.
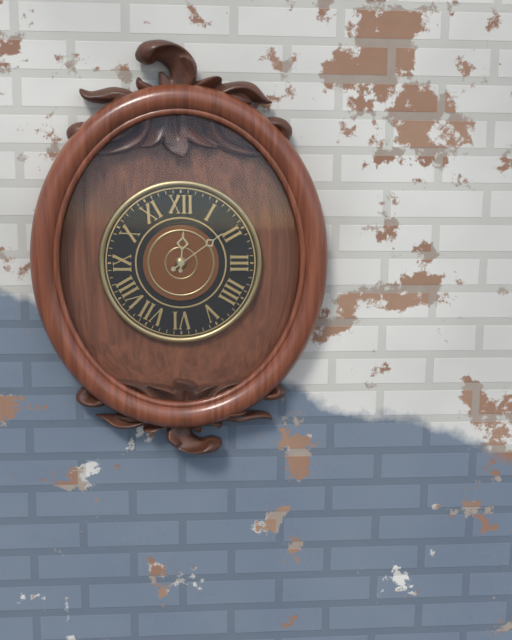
12:09
